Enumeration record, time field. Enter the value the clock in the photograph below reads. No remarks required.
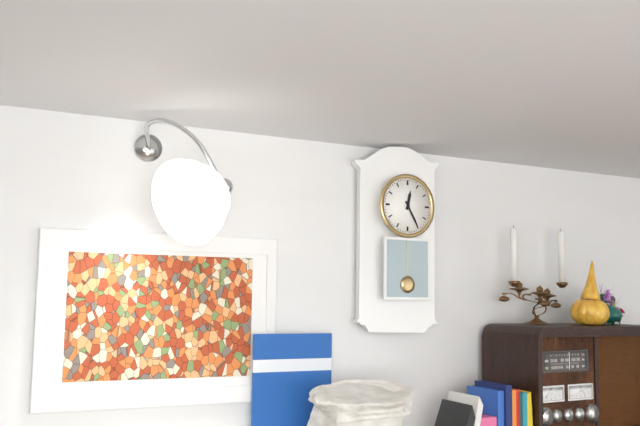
12:25
